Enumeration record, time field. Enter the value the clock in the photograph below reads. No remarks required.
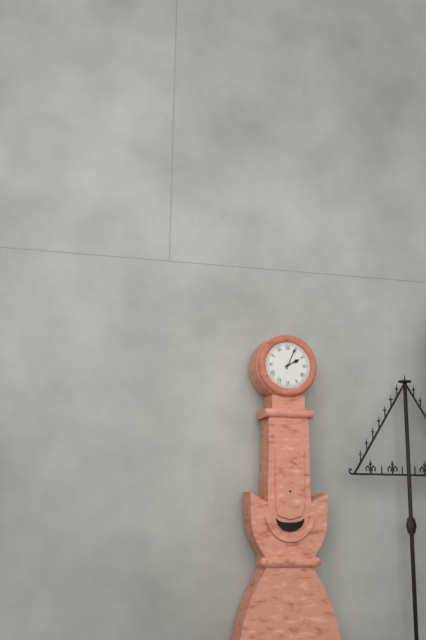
2:04
